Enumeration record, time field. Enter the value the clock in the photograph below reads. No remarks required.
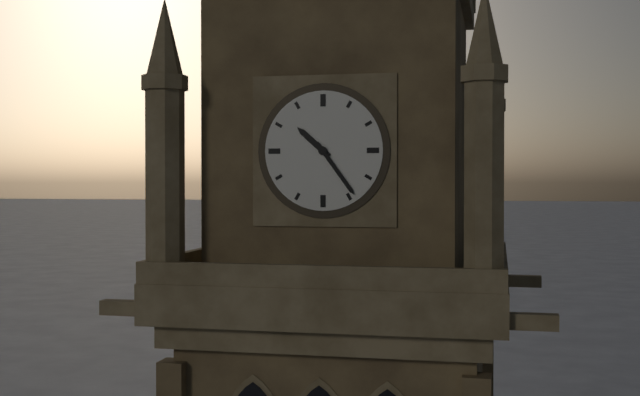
10:24
